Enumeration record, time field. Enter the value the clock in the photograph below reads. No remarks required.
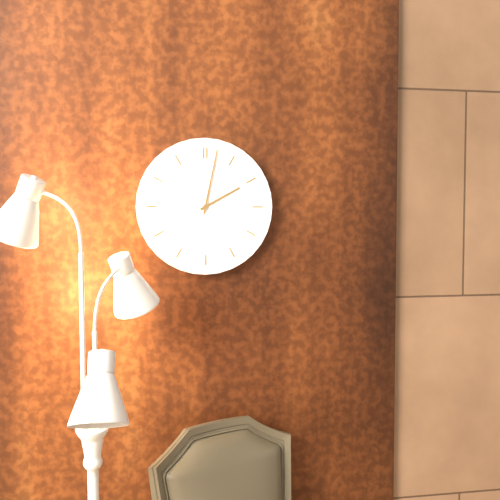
2:02
